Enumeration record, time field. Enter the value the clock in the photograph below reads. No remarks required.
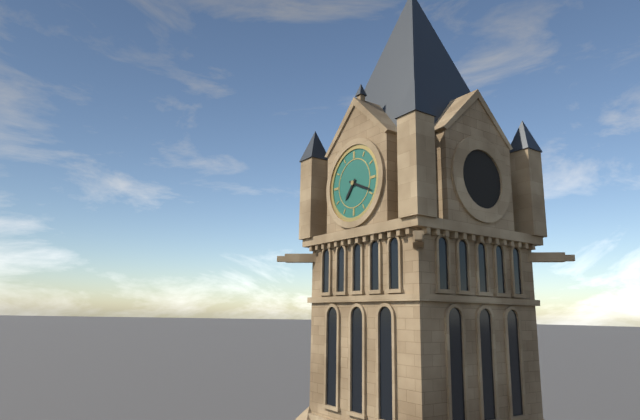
7:19
